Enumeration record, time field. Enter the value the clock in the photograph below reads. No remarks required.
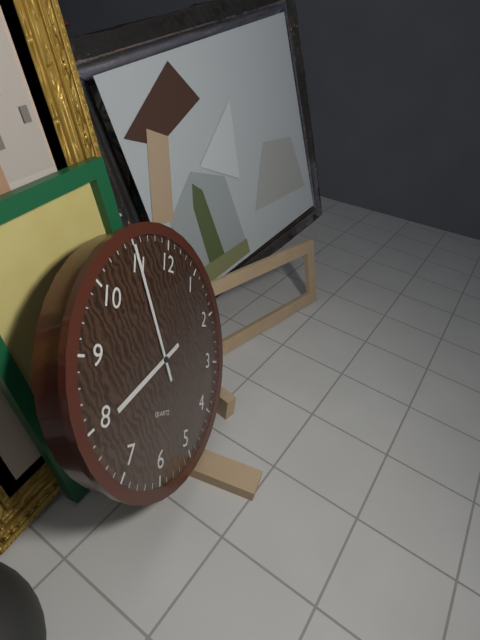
7:55
